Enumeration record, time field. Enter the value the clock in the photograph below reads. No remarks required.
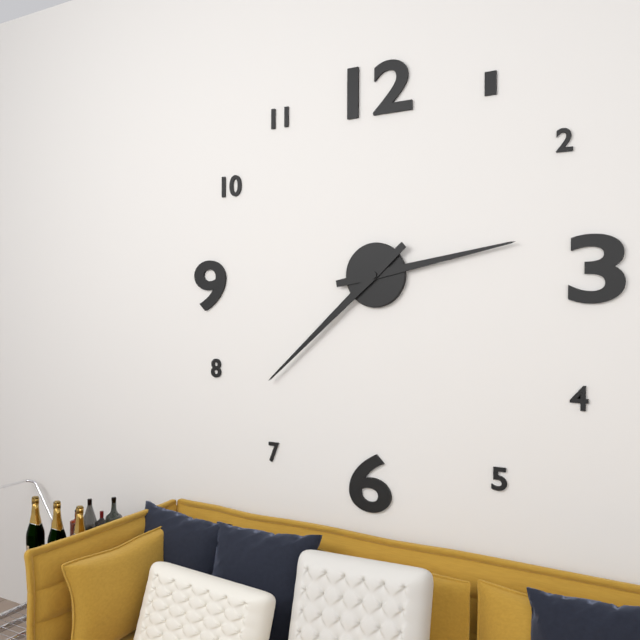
2:38
